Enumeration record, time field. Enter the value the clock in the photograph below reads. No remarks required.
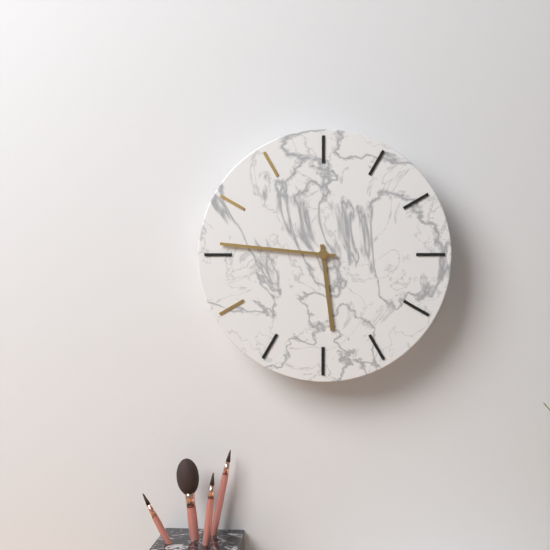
5:46
